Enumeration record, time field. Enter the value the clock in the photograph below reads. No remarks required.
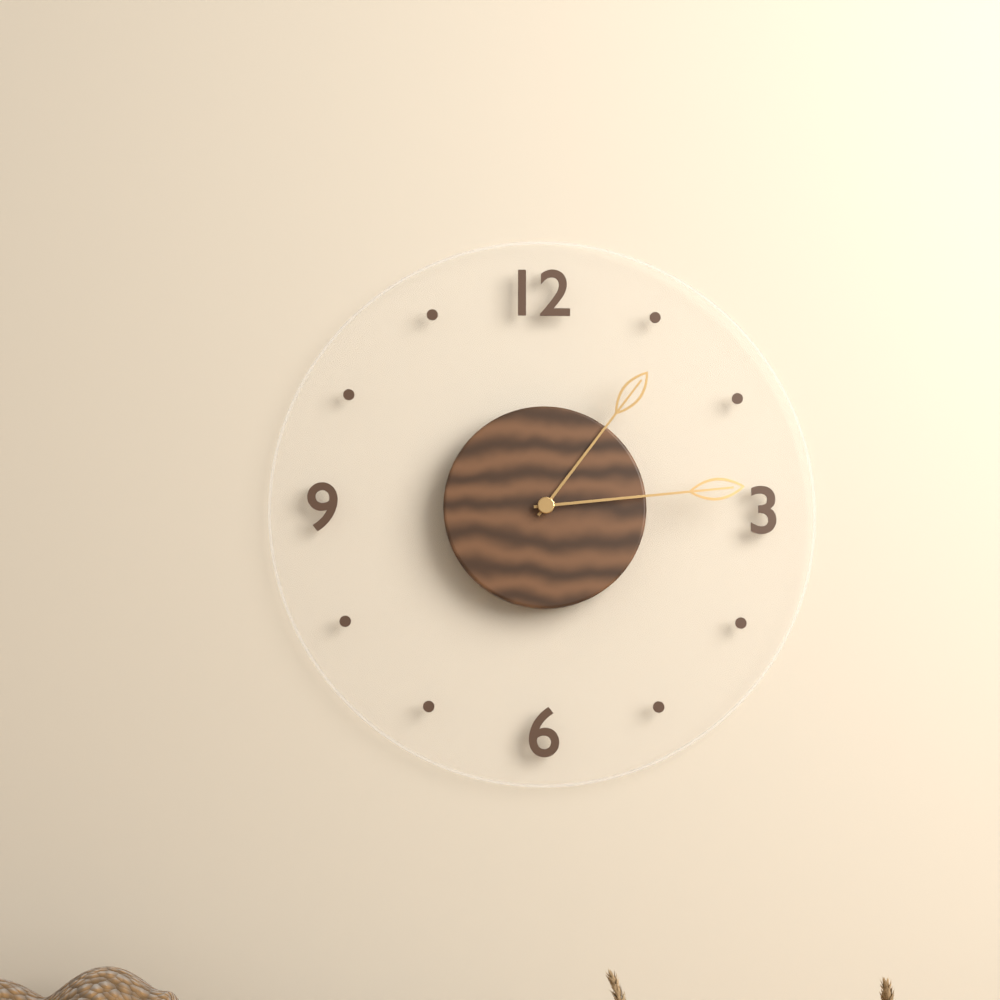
1:14
